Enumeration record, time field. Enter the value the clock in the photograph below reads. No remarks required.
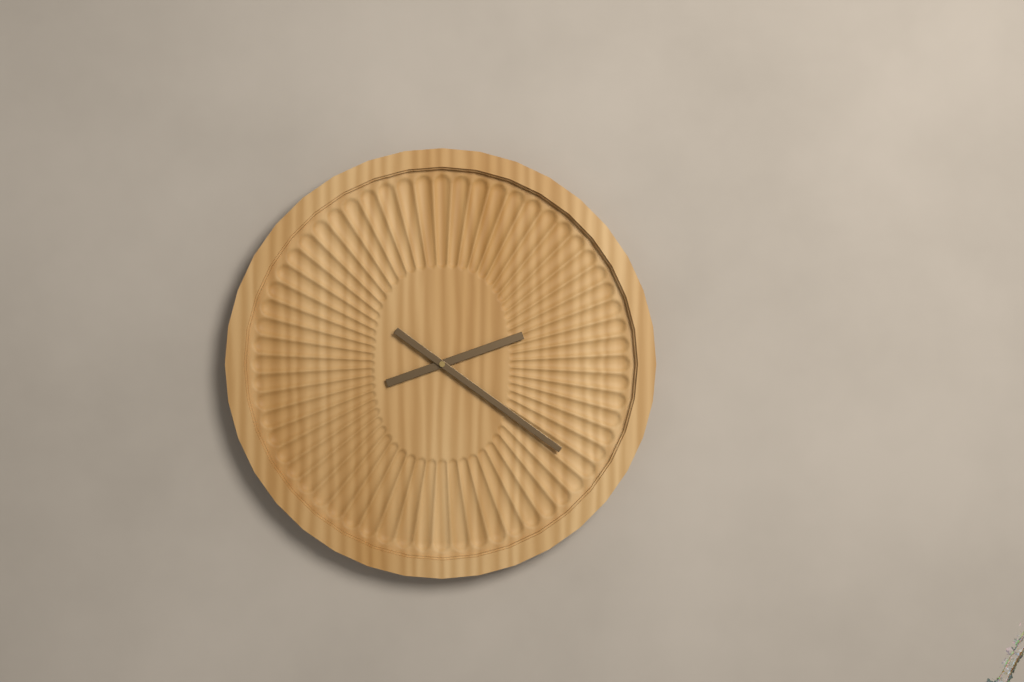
2:21
